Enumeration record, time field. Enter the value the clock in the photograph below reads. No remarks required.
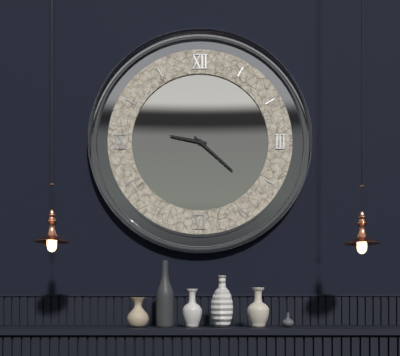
9:22
